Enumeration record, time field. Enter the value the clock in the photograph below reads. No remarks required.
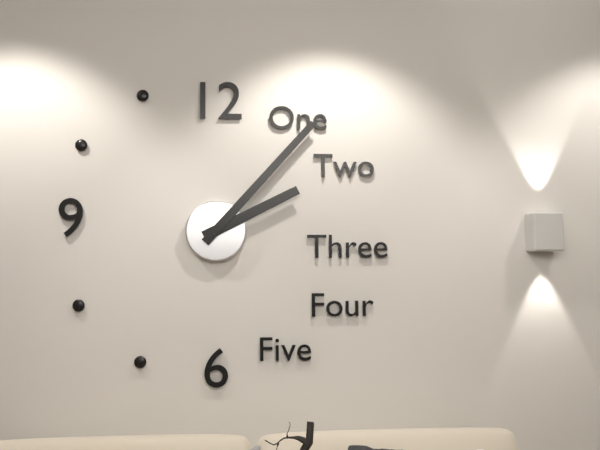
2:07
